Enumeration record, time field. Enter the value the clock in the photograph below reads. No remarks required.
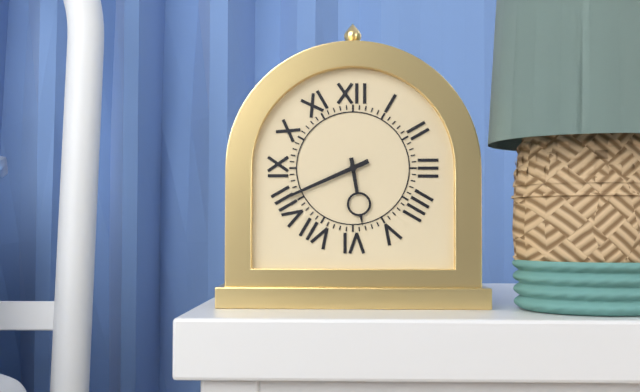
5:41
